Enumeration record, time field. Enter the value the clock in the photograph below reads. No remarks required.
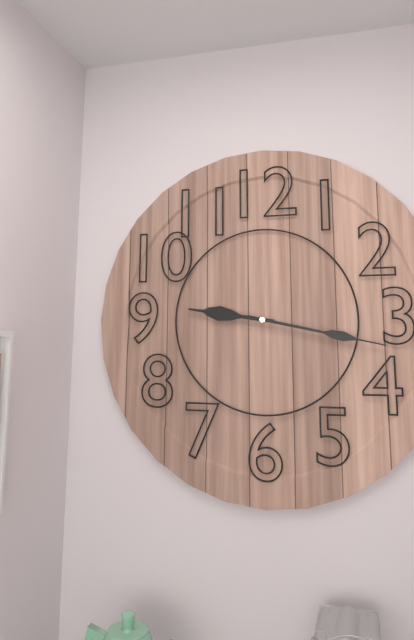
9:17
